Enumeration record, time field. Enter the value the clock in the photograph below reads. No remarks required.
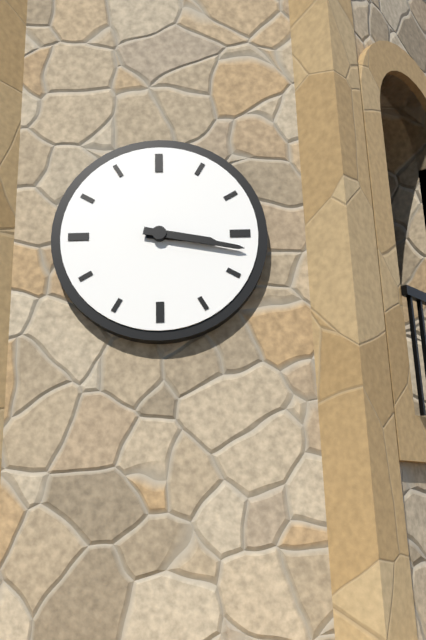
3:17
